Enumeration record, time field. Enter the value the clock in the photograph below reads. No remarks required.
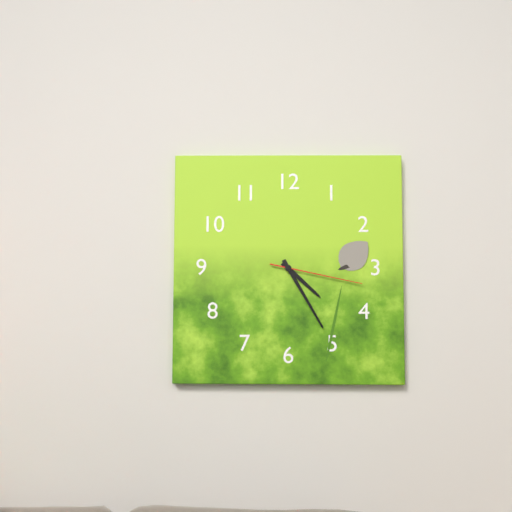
4:25:17
